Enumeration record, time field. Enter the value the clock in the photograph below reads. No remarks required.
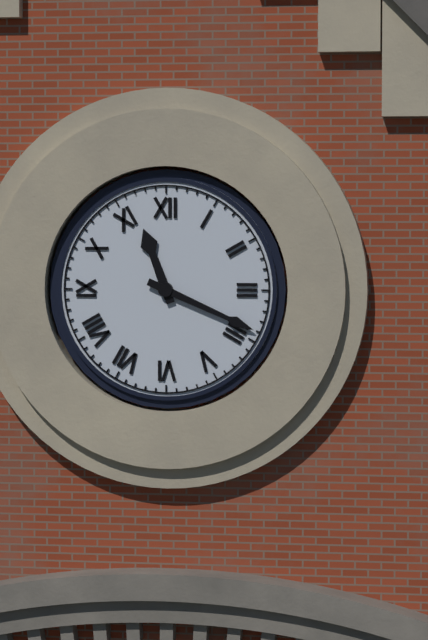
11:19
